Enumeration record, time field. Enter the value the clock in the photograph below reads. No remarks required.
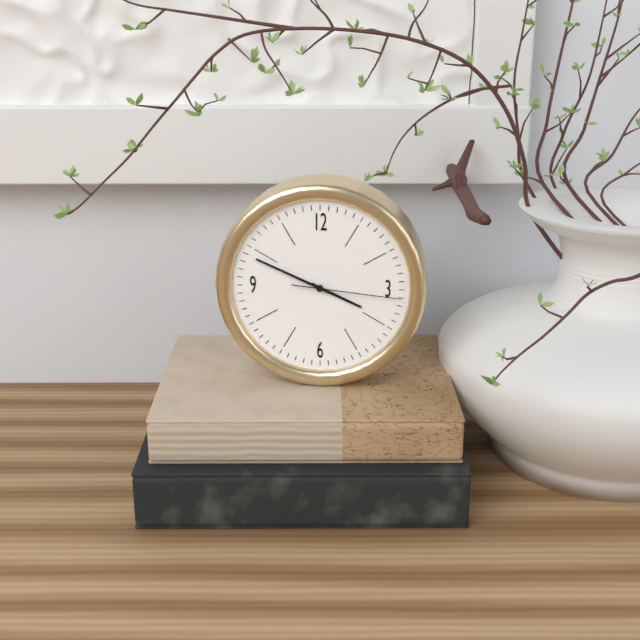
3:49:16
